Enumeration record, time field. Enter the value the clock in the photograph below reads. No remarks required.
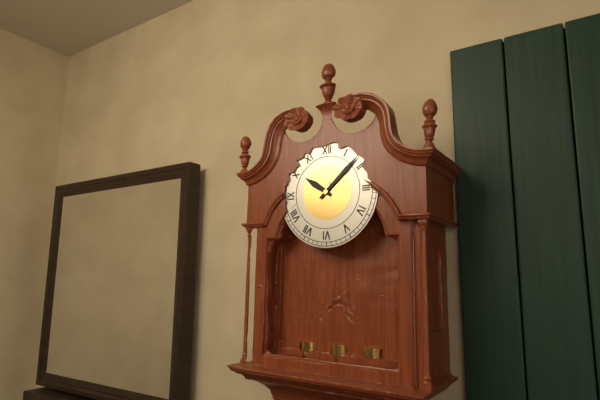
10:08
